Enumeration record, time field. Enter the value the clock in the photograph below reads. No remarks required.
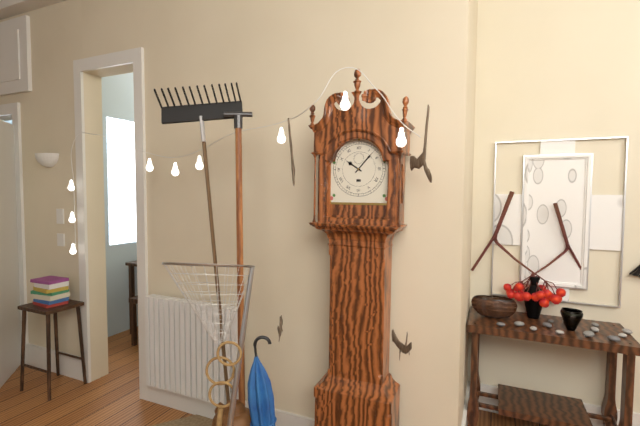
10:07
